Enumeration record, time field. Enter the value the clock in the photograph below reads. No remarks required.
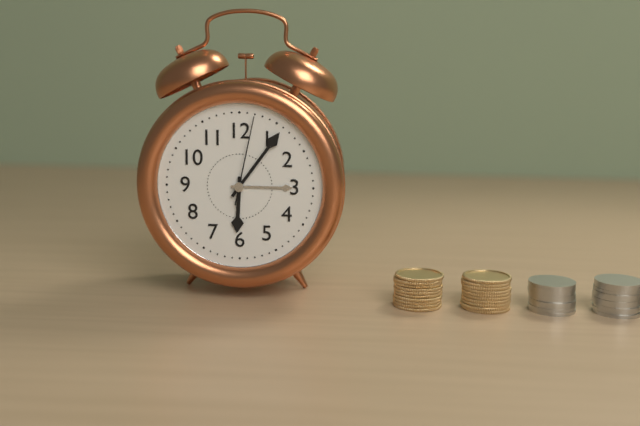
6:06:02
